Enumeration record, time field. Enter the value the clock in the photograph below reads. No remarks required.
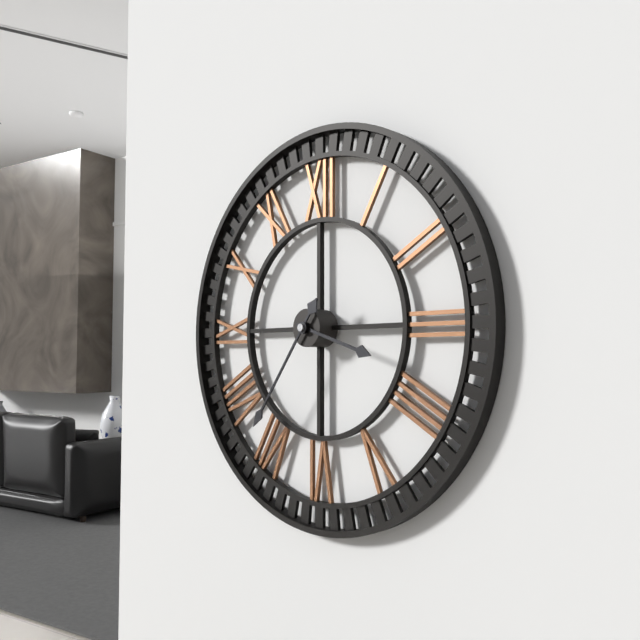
3:36
